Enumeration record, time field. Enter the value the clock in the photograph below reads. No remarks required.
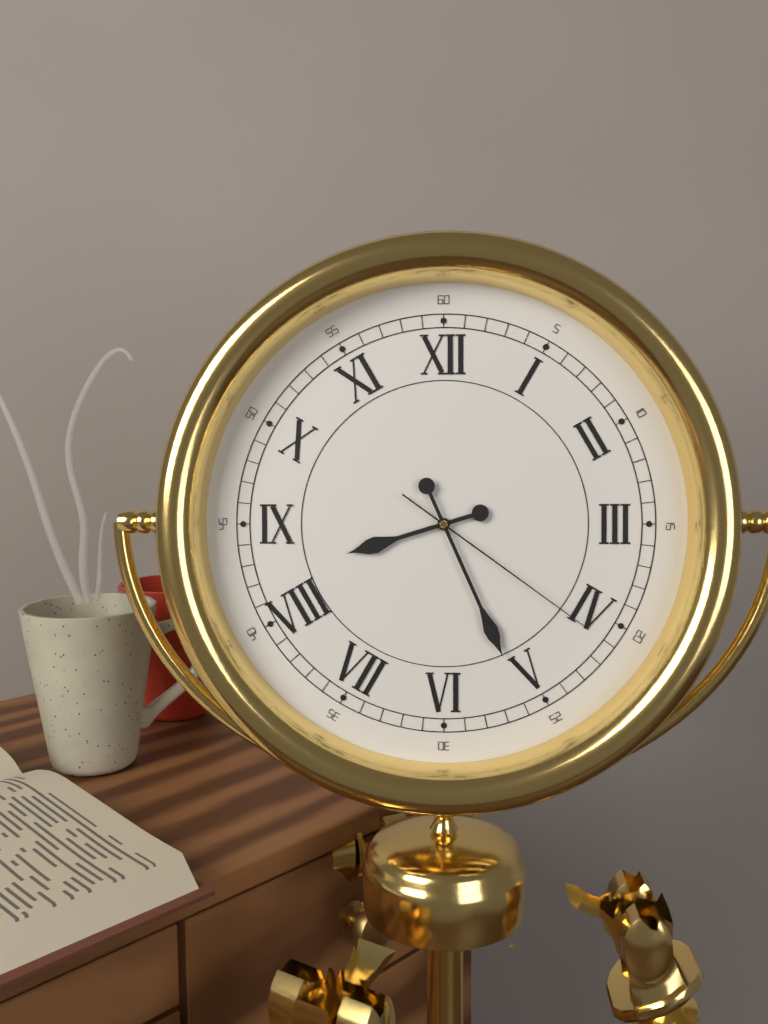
8:26:21
